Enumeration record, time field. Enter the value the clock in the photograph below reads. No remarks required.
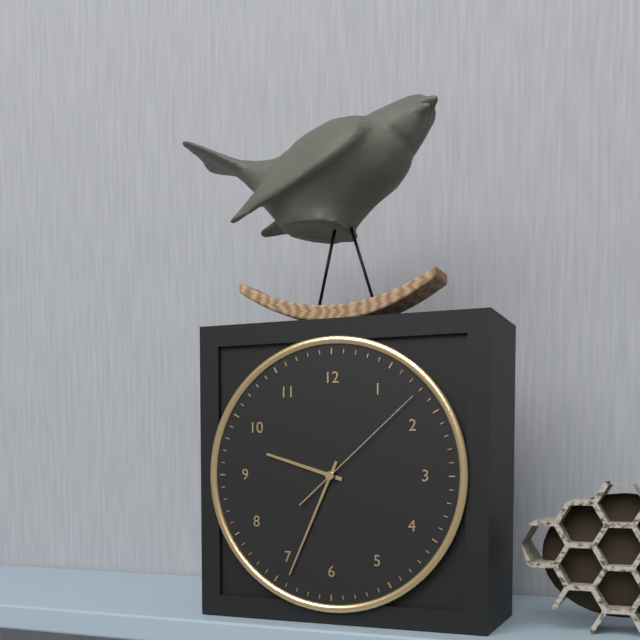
9:34:08
